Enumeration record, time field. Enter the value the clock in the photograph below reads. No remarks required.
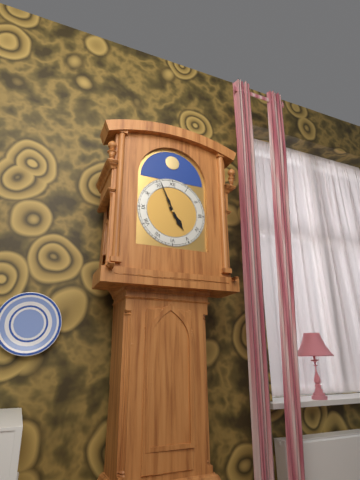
4:56
